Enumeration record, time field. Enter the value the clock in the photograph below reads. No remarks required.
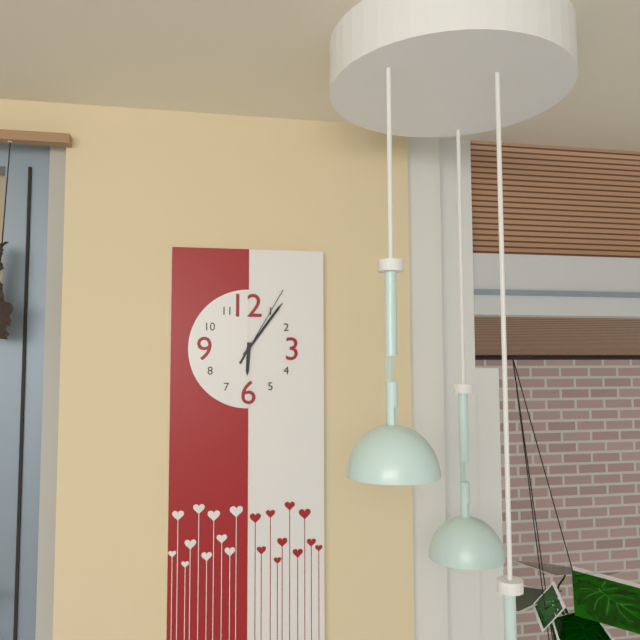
6:06:05
